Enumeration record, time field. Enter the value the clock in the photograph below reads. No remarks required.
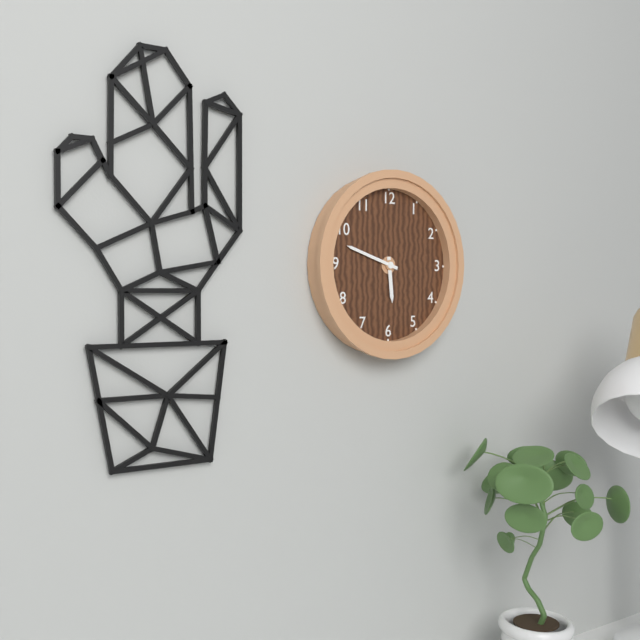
5:48
